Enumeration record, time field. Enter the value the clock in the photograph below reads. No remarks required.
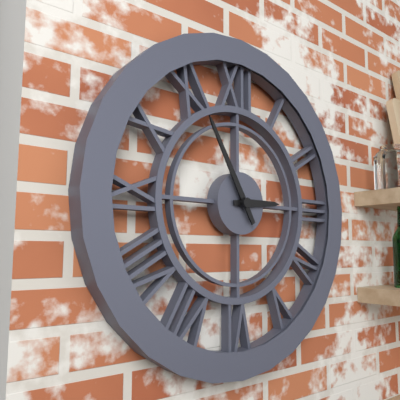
2:55
